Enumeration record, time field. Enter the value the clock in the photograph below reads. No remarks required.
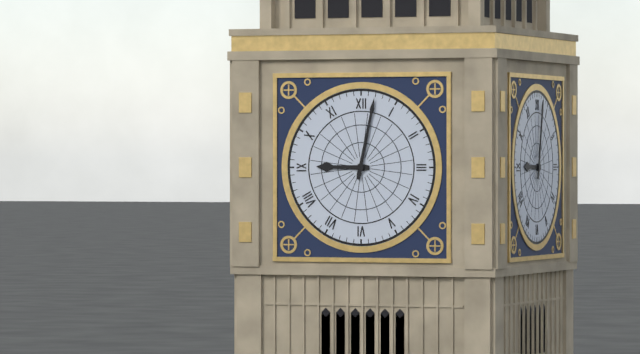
9:02
